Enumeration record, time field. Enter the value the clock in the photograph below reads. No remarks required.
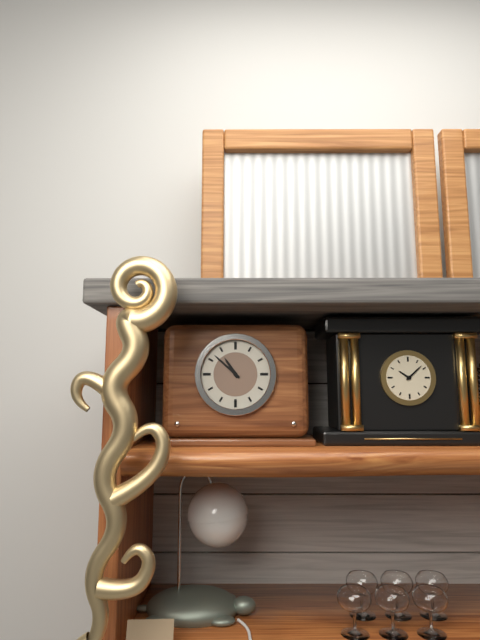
10:52
